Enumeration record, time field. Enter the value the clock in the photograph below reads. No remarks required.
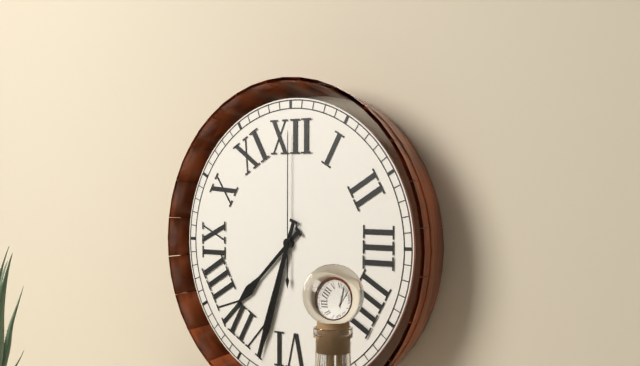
7:33:00
